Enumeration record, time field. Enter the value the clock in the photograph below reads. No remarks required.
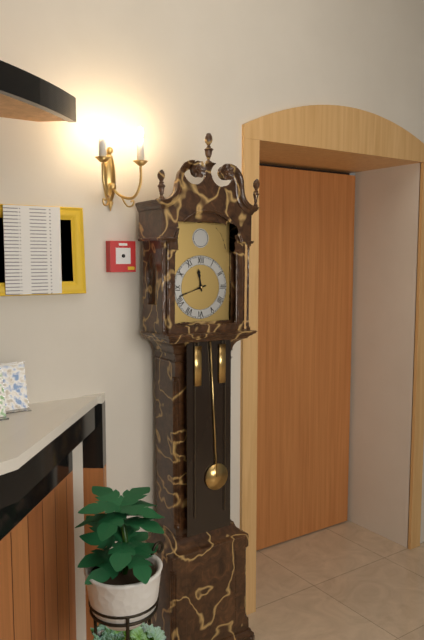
11:42
